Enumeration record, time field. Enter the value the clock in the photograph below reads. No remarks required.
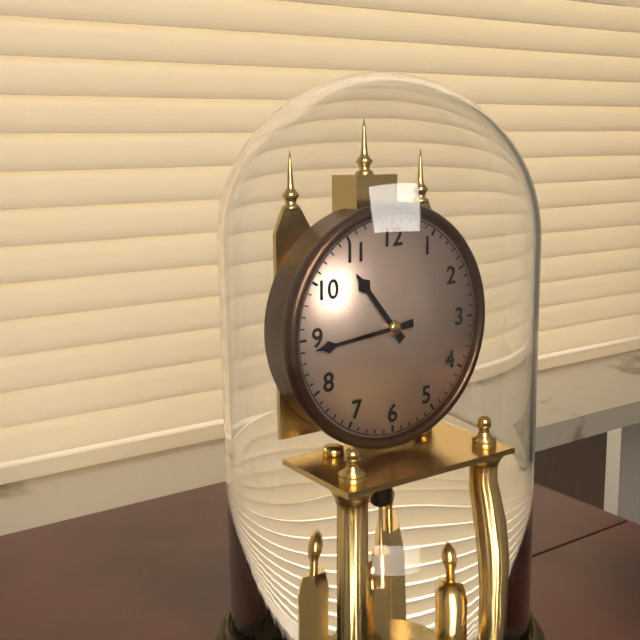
10:44
